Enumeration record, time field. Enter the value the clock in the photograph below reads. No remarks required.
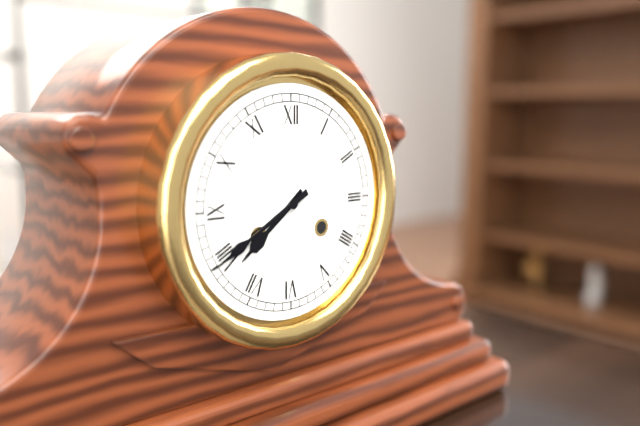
7:40
